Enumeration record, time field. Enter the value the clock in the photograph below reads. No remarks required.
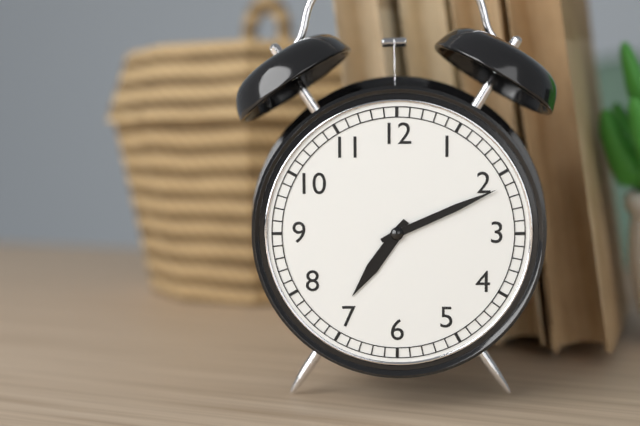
7:11
